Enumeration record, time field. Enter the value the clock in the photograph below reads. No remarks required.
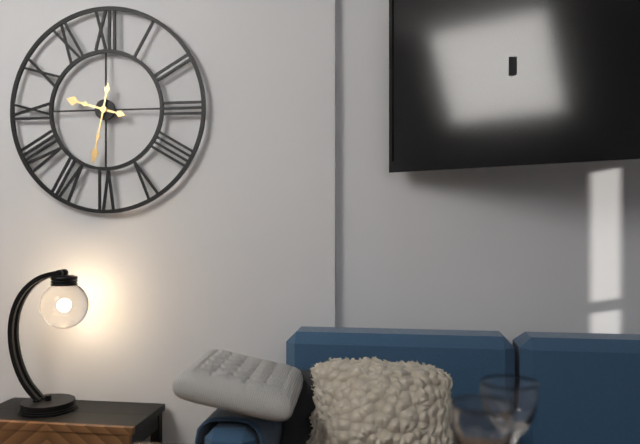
9:32
